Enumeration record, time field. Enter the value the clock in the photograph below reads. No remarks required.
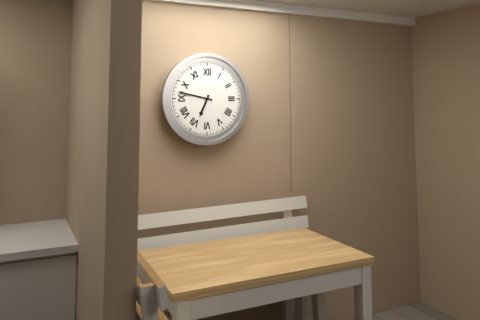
6:47
